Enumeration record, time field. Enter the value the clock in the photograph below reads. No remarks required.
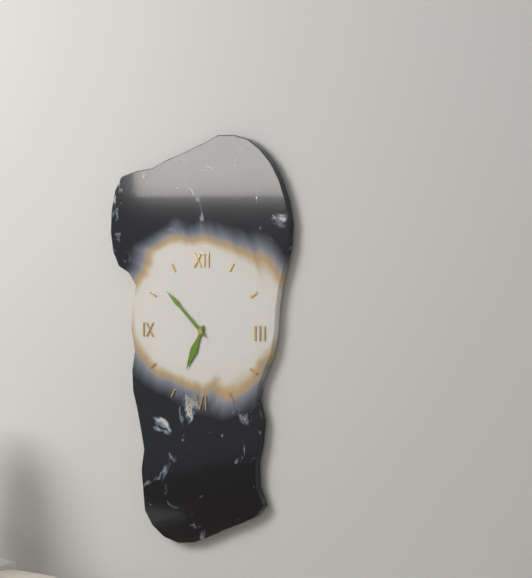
6:52
